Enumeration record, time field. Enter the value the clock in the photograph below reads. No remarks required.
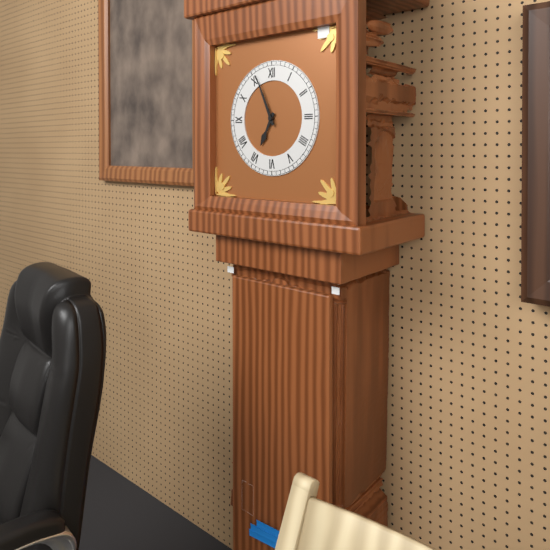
6:56
